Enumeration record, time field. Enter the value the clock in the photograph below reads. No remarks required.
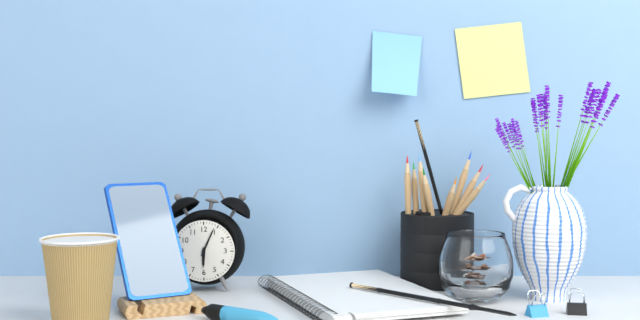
6:04
